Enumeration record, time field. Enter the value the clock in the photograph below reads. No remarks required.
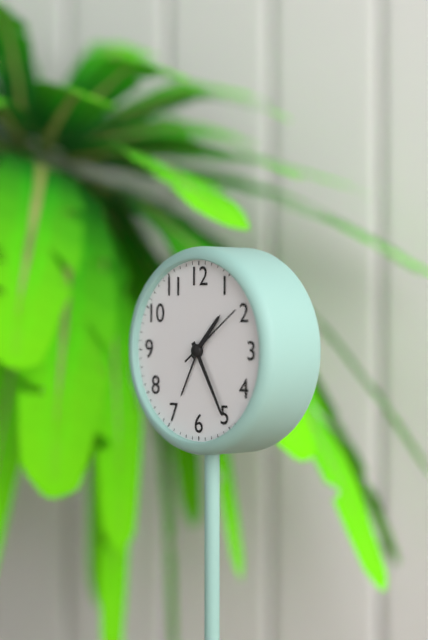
1:25:09
